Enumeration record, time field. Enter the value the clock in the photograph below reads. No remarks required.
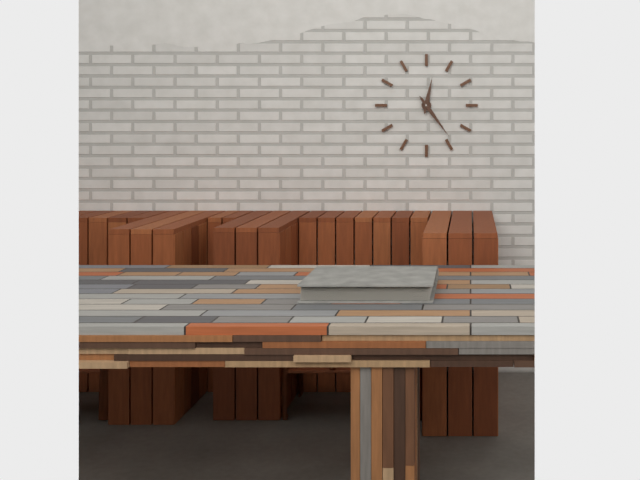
12:24
